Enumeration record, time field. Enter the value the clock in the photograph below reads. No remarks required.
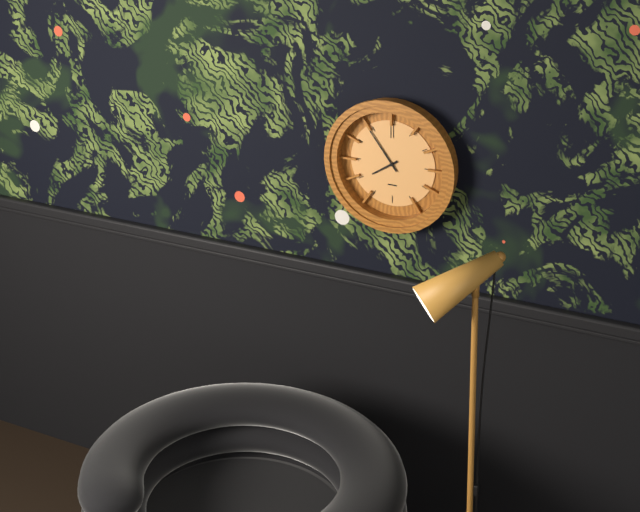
7:54
